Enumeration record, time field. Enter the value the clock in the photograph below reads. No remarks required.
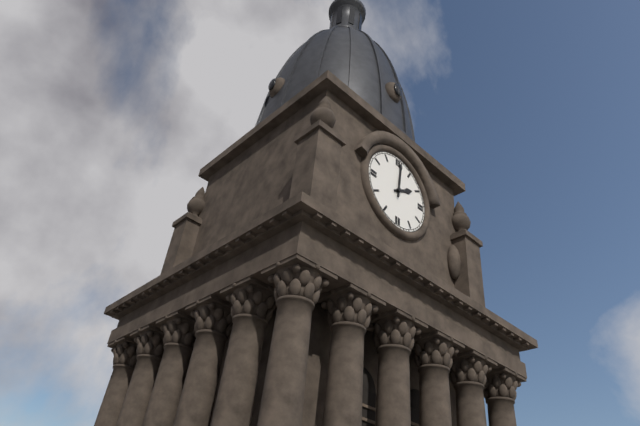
2:01
